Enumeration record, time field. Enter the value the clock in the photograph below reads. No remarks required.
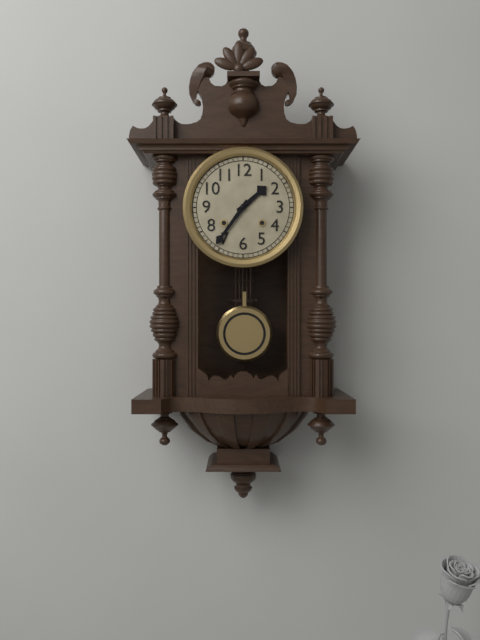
1:36
